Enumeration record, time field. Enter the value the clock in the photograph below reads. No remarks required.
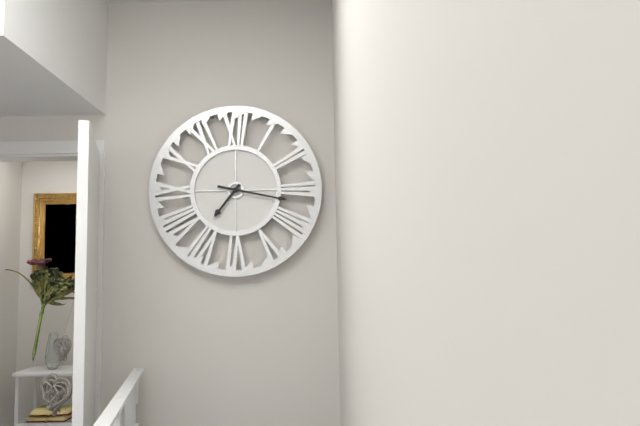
7:17
